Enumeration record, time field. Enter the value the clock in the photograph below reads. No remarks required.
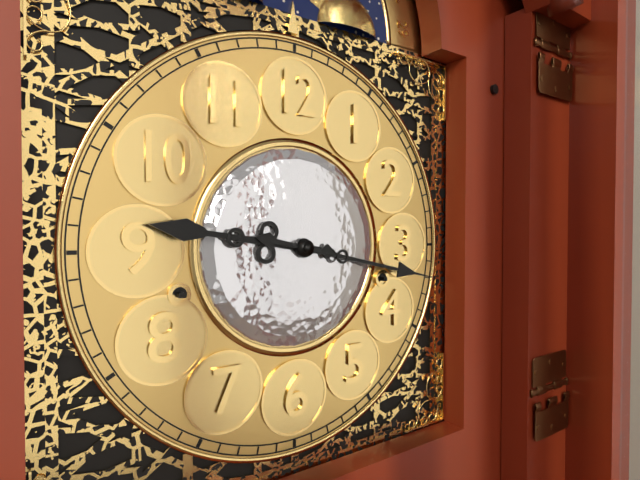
9:17
